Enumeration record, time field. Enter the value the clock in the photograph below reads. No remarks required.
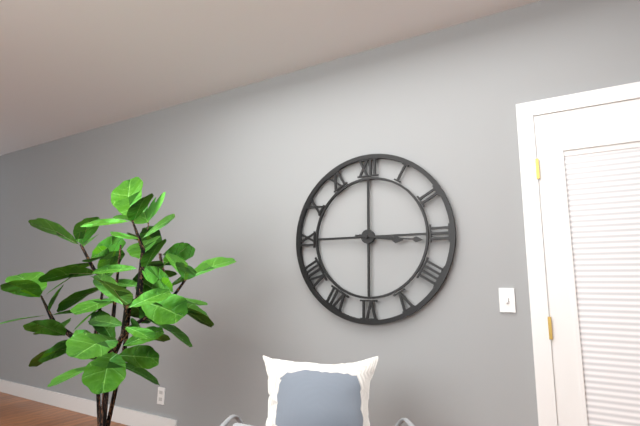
3:16
